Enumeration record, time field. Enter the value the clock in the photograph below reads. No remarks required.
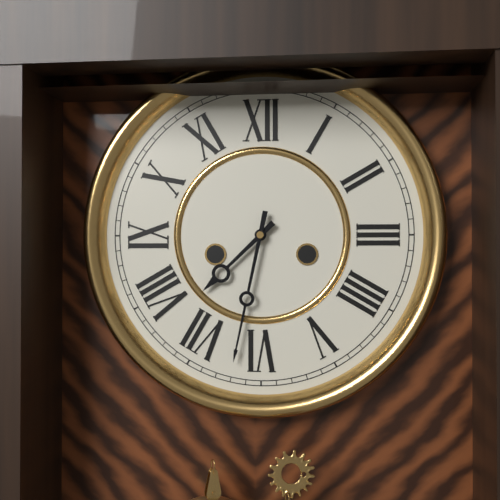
7:32
